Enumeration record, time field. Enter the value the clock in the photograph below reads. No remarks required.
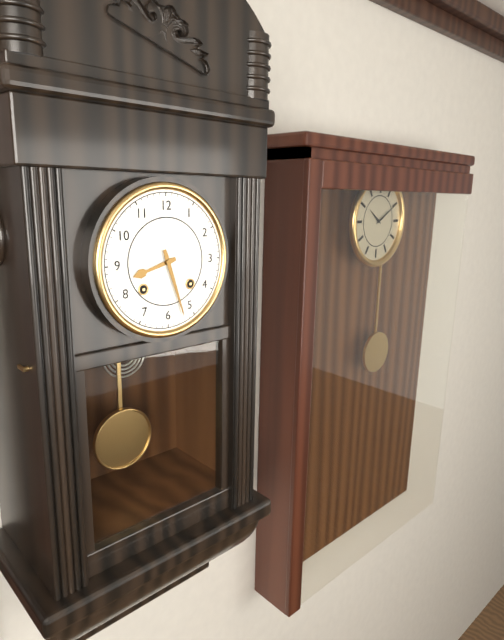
8:27
